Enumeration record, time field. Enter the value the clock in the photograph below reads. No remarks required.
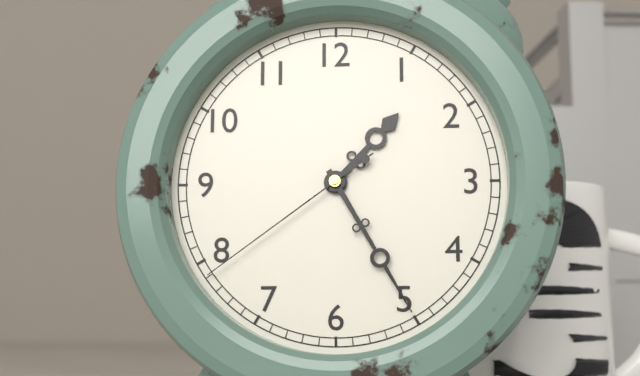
1:25:39
